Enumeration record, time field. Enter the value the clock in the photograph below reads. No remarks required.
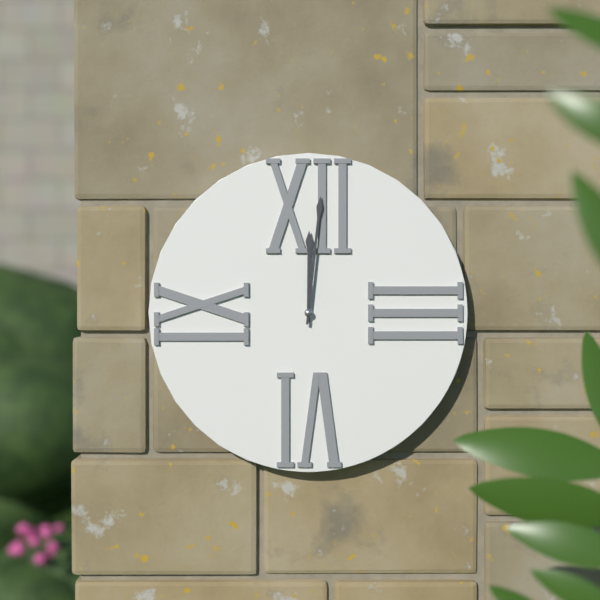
12:01
